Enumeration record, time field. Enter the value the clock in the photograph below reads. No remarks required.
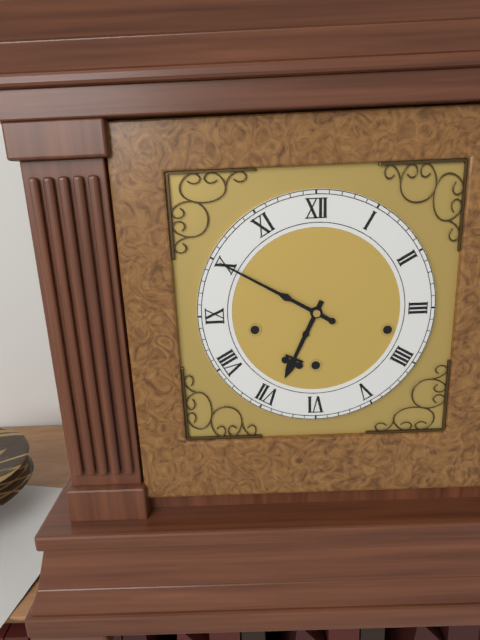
6:50
